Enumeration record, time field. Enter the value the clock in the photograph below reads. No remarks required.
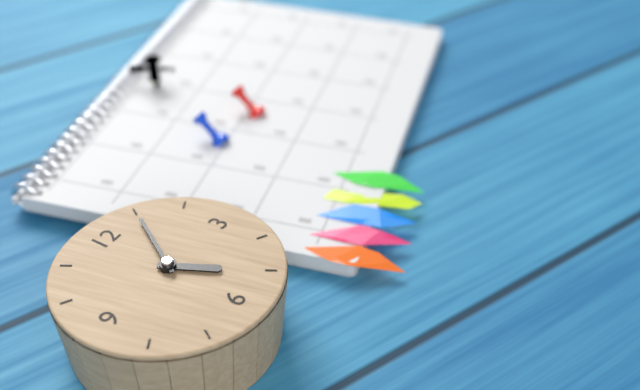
5:05
